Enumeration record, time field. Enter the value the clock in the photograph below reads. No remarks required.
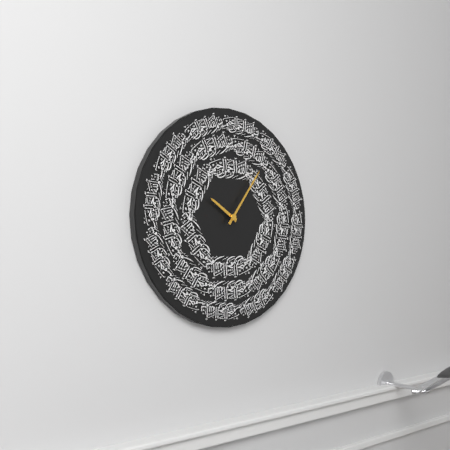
10:06
